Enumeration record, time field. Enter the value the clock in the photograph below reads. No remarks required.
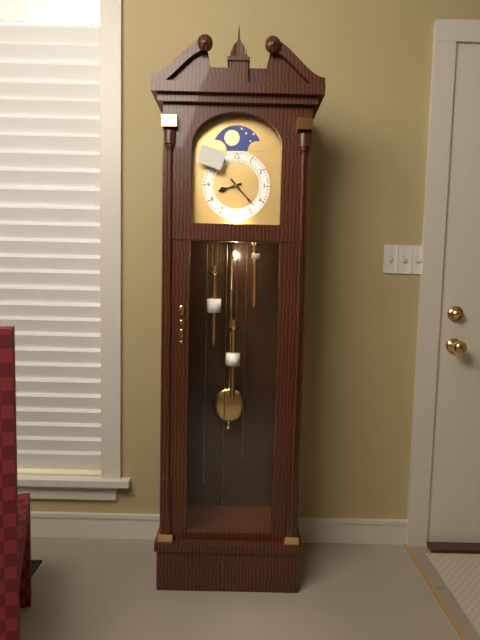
8:23
